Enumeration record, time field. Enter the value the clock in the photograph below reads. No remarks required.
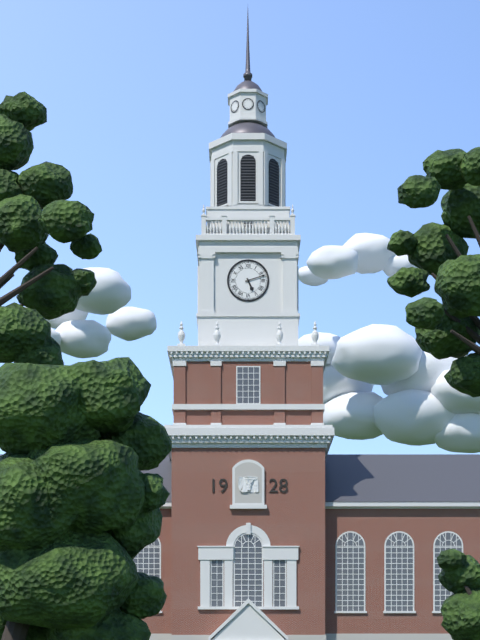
5:12
